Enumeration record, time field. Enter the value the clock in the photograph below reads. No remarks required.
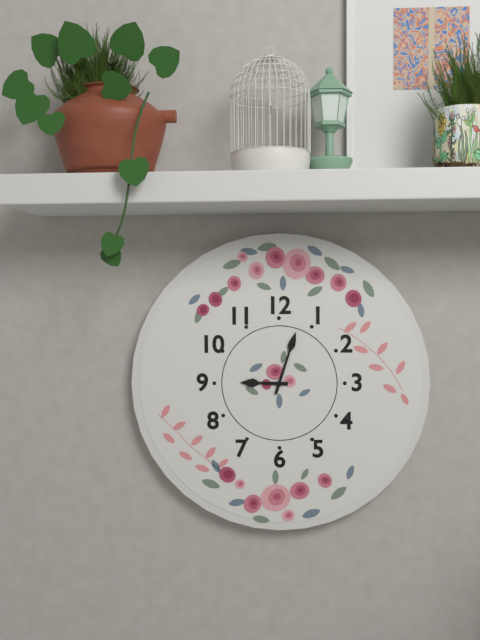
9:03
